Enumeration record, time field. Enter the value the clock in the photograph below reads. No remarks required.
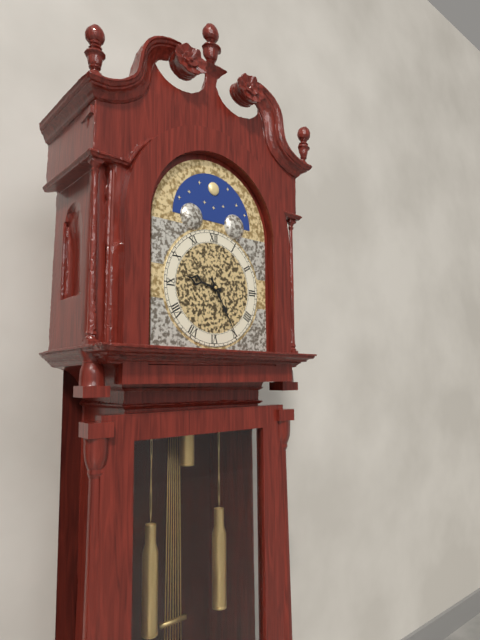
9:25
